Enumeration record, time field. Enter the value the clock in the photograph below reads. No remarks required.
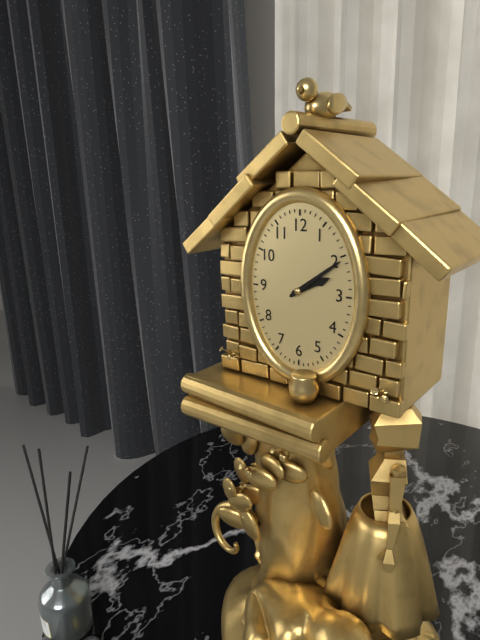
2:09
